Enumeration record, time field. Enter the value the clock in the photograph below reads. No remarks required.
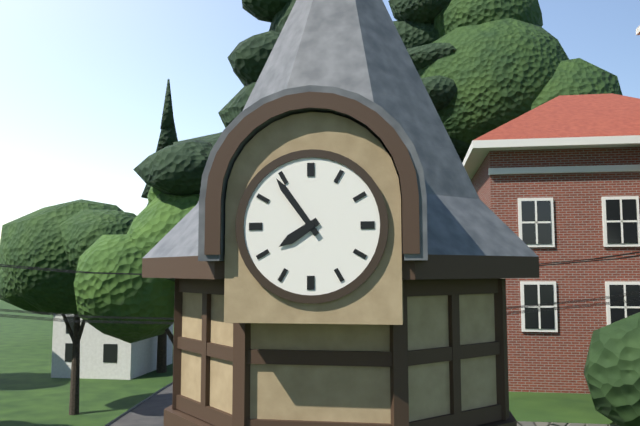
7:54
